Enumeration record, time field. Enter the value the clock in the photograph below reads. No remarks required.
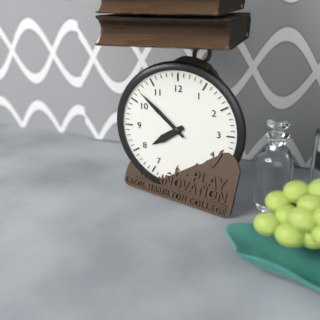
7:52
